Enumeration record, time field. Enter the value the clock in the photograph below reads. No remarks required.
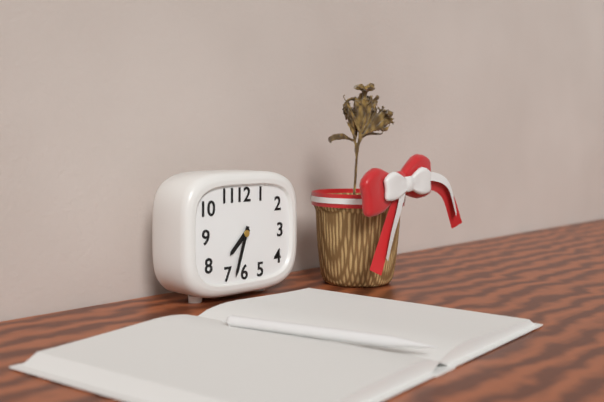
7:33
